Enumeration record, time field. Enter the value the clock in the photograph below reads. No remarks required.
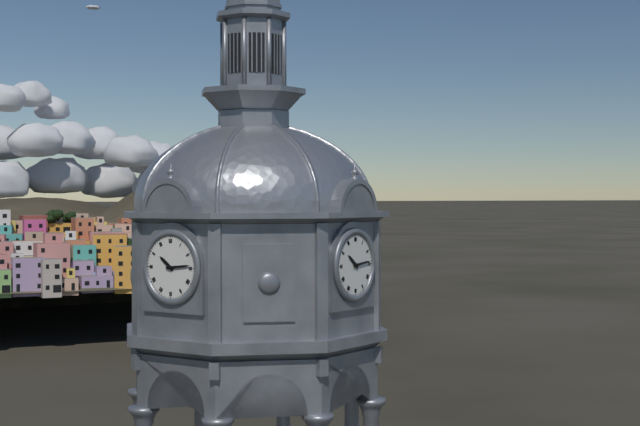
10:14
